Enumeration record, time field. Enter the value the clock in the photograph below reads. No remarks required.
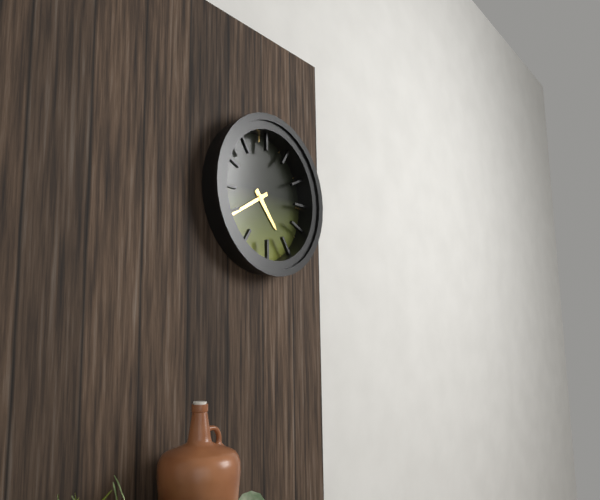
4:40
